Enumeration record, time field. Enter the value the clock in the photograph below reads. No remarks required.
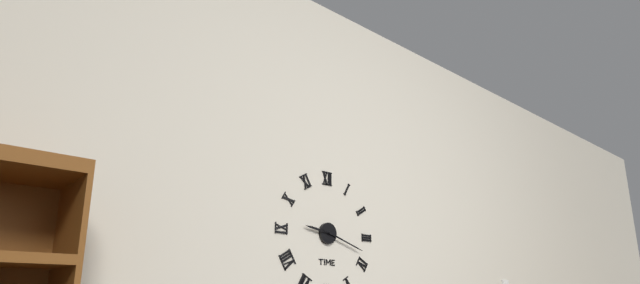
9:18
